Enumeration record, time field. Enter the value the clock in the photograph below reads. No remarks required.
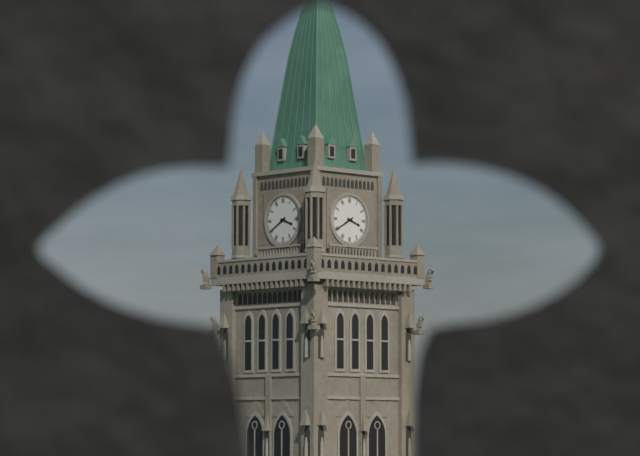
3:40
